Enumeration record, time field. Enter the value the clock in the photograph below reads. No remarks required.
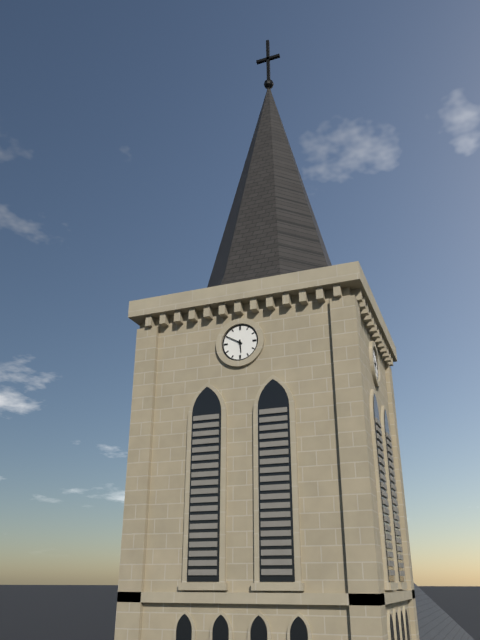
5:50
